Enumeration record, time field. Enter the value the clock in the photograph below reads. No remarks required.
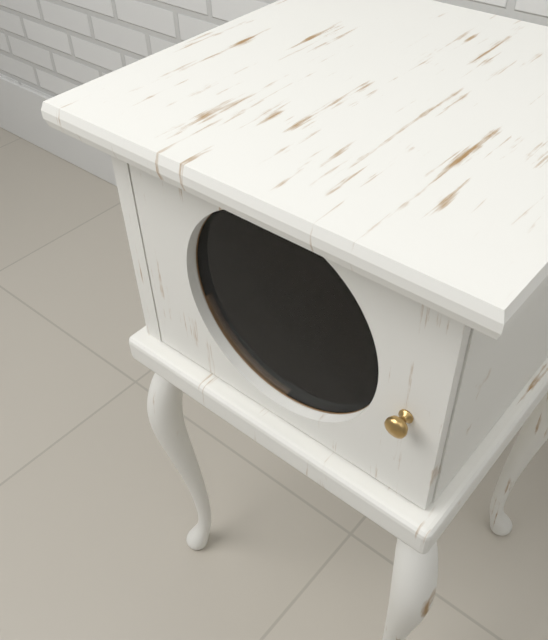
6:05:53
